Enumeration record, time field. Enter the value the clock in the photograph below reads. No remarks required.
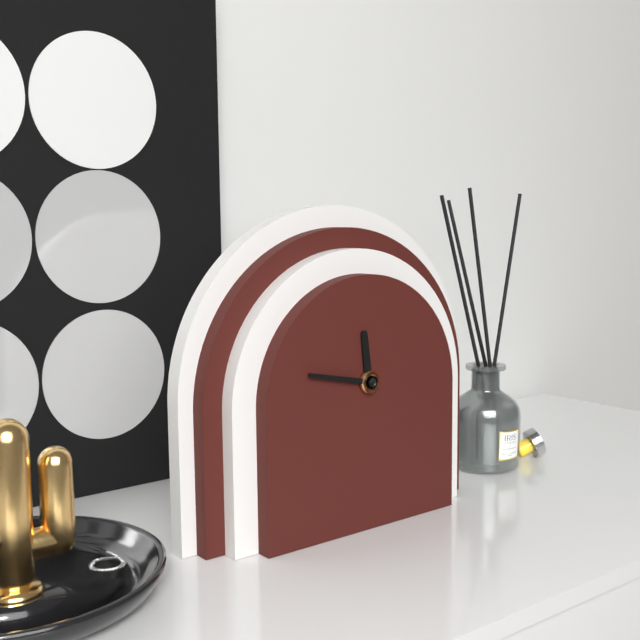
11:47
